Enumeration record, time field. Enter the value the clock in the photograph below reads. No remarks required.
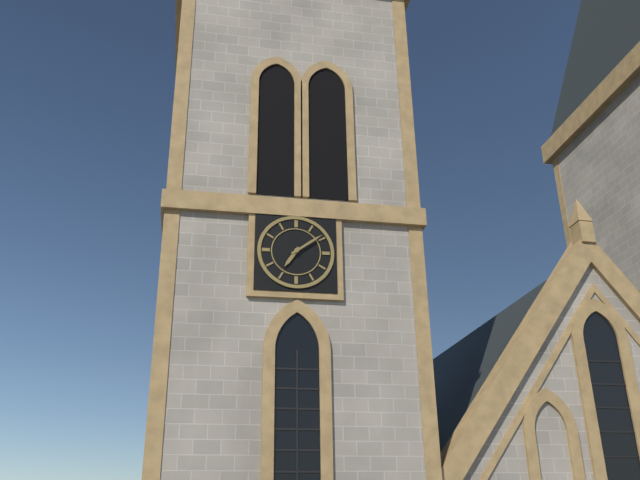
7:09
